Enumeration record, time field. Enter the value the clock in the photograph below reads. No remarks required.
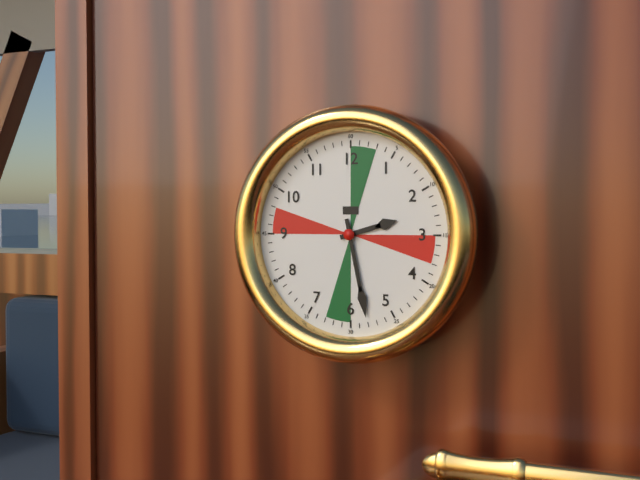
2:28
